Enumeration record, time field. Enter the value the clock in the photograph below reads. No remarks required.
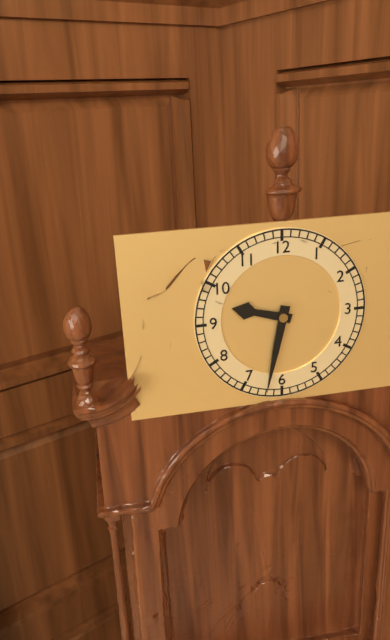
9:32
